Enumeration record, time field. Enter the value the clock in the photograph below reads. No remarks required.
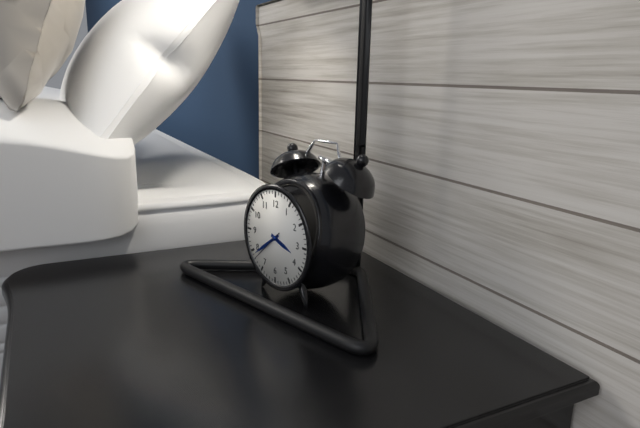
3:39
